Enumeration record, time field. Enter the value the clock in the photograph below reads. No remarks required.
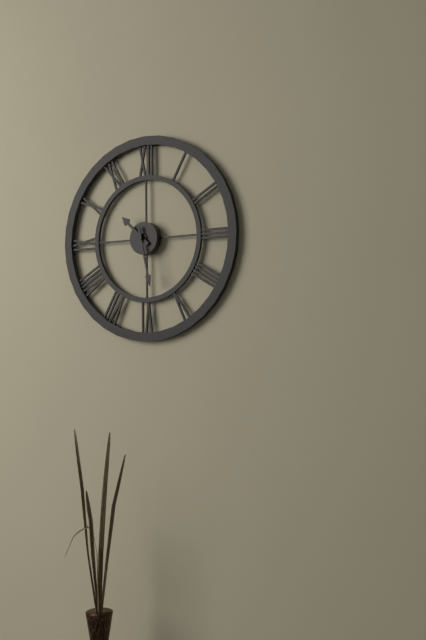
10:28
